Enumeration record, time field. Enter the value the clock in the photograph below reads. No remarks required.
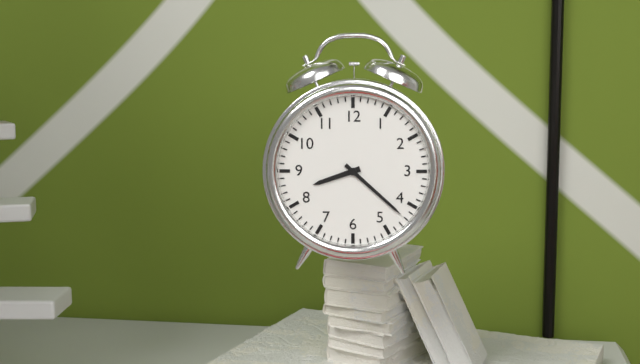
8:22
